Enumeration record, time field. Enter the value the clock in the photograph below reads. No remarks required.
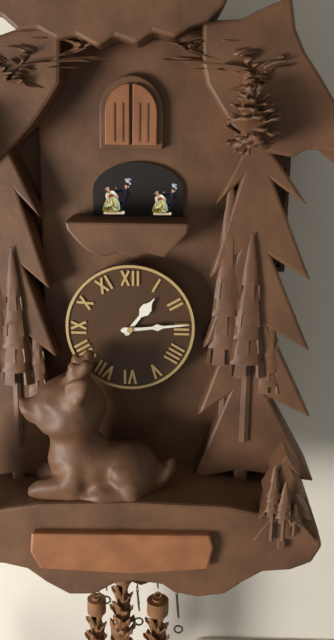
1:14
